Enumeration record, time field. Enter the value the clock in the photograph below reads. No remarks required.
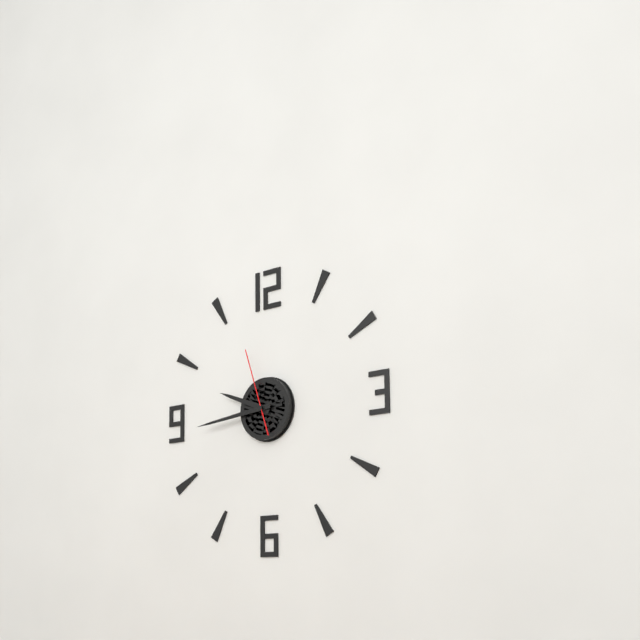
9:44:57
